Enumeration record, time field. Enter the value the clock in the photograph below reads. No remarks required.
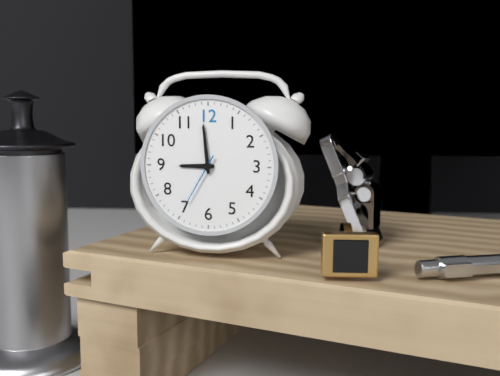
8:59:35
